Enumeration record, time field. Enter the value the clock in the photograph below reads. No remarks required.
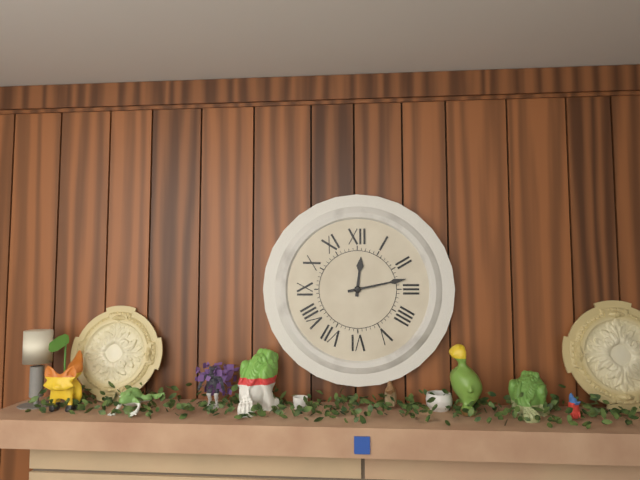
12:13
